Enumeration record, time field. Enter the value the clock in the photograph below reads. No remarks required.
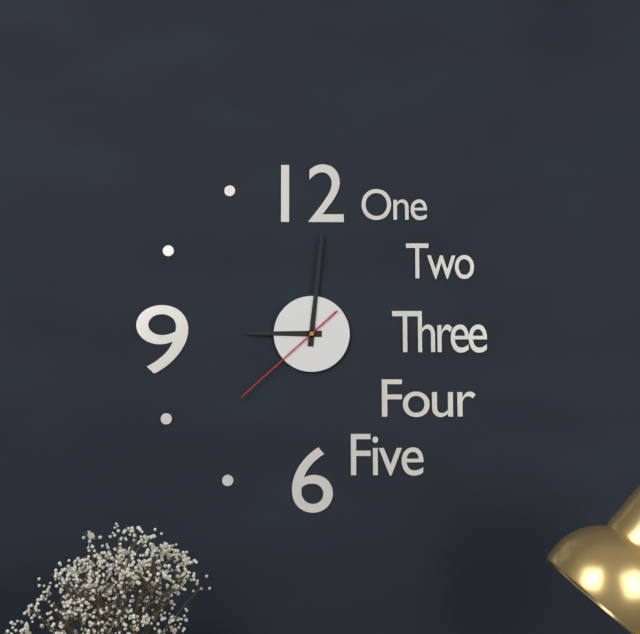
9:01:38
